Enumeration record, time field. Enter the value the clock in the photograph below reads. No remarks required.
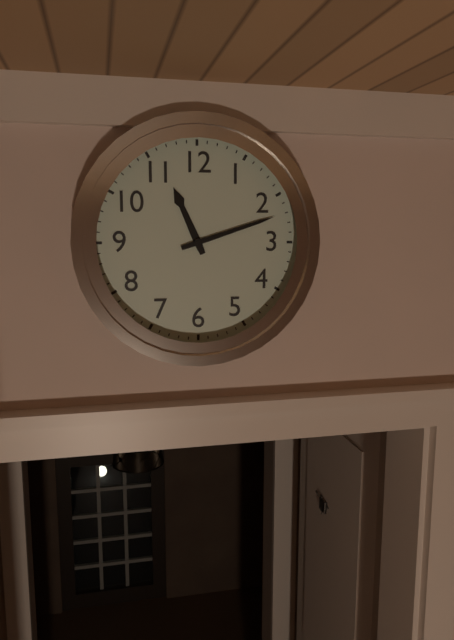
11:12
